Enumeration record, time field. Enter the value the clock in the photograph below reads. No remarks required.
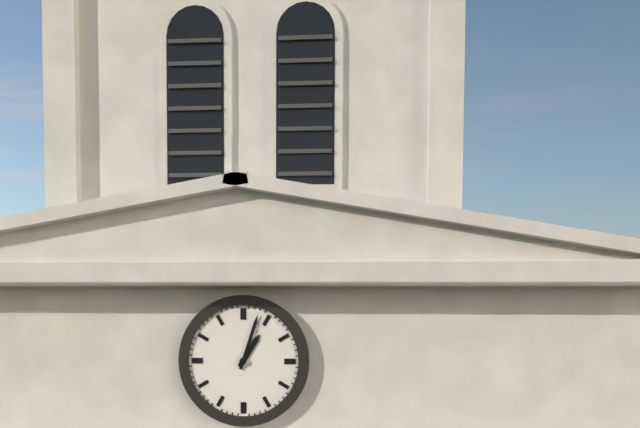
1:03
